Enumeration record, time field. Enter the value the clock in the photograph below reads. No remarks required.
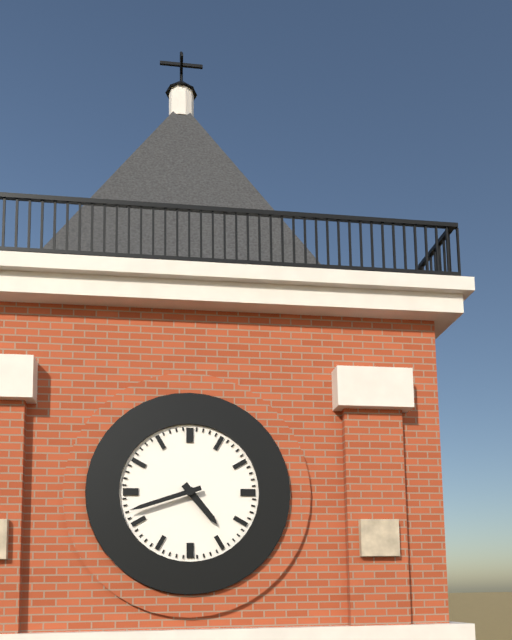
4:42
